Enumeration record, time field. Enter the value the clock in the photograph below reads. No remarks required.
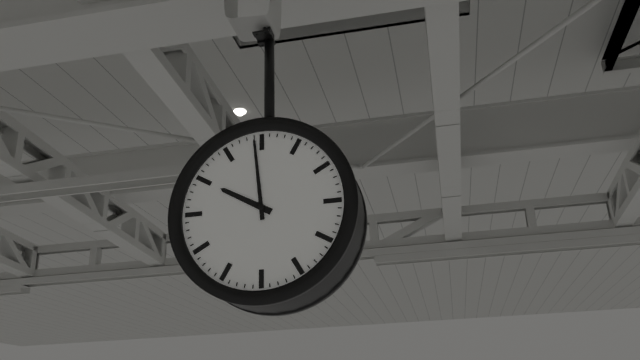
9:59
